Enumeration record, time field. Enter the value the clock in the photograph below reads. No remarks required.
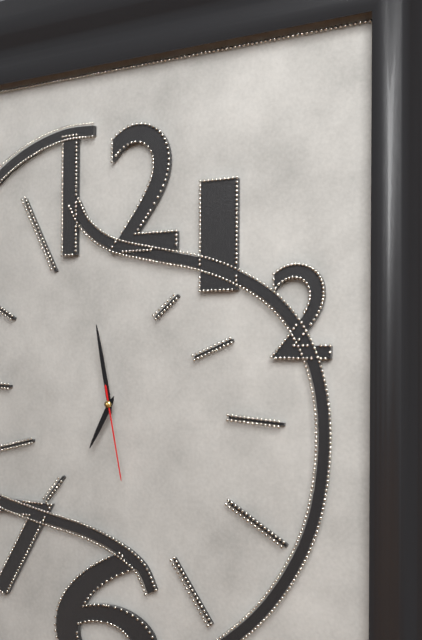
6:58:28
